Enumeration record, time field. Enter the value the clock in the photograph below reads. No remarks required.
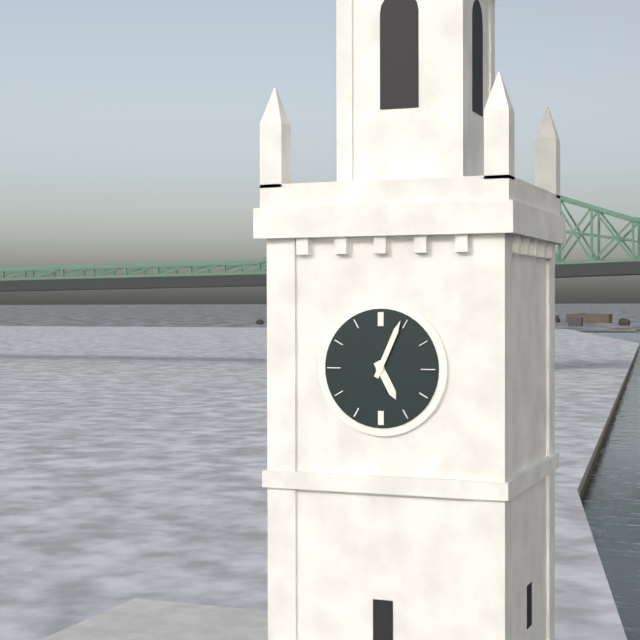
5:04
